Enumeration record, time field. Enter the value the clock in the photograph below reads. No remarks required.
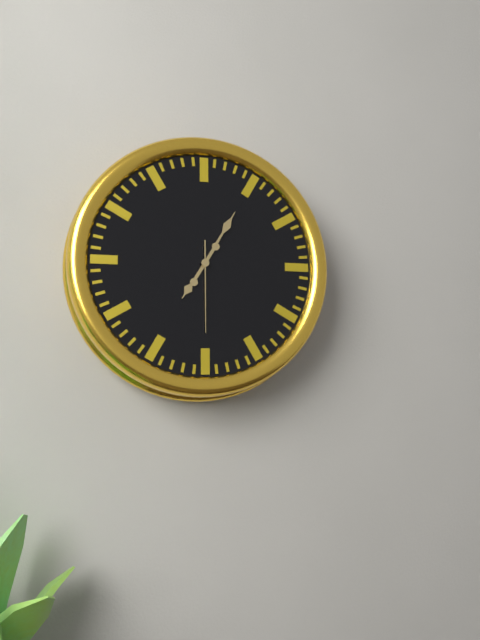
7:05:30
